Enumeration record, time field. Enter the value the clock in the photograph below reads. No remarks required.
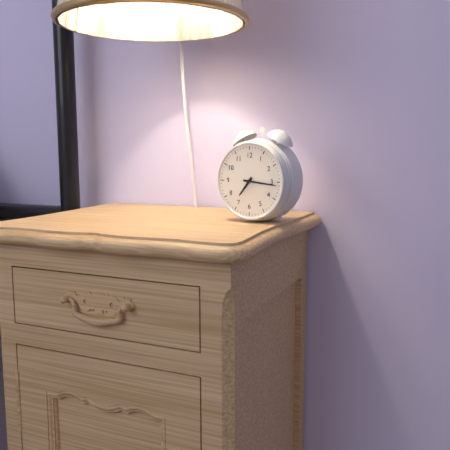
7:16
